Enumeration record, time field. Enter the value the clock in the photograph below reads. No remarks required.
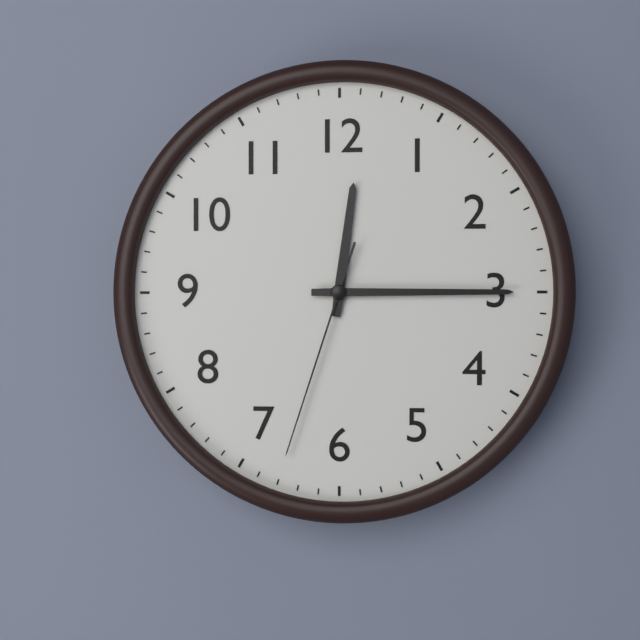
12:15:33
